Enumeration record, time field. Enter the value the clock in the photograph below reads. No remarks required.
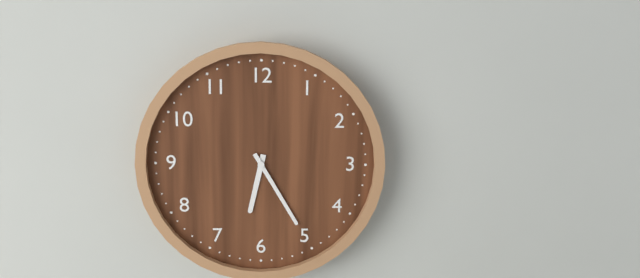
6:25
